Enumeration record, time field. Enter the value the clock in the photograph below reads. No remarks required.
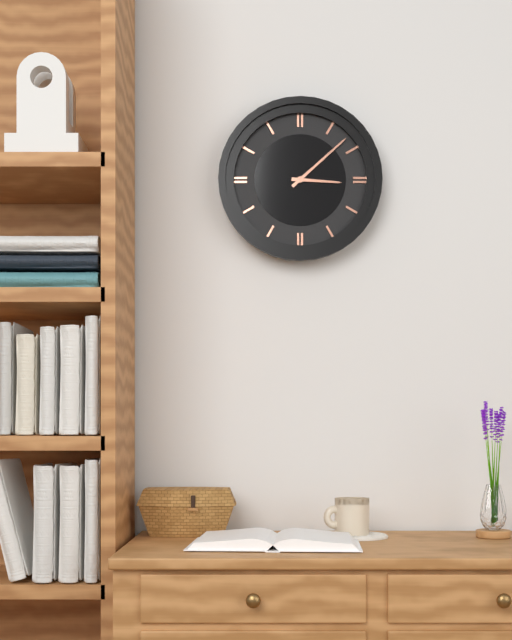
3:08
